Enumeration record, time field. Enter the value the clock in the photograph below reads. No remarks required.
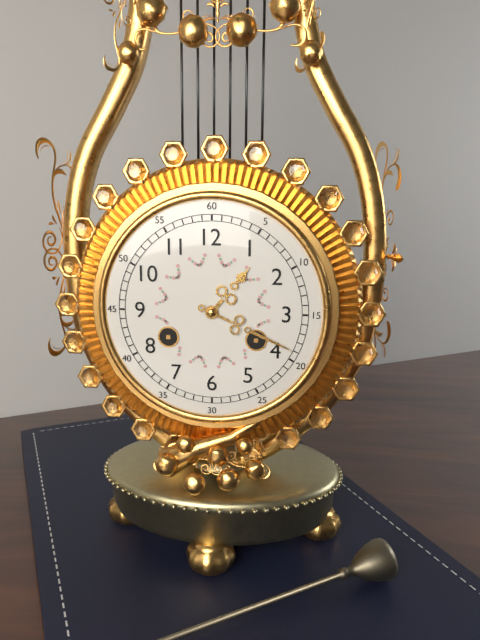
1:19
